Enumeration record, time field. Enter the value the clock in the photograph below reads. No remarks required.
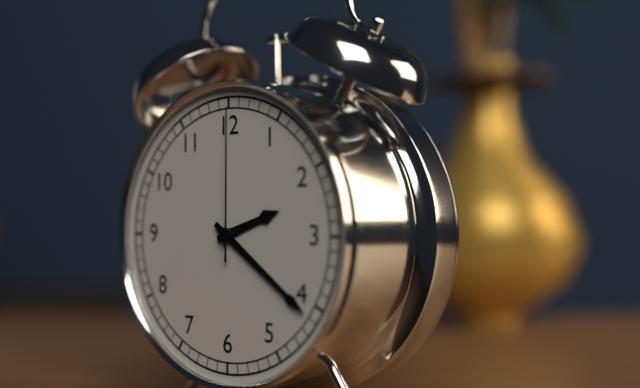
2:21:00
